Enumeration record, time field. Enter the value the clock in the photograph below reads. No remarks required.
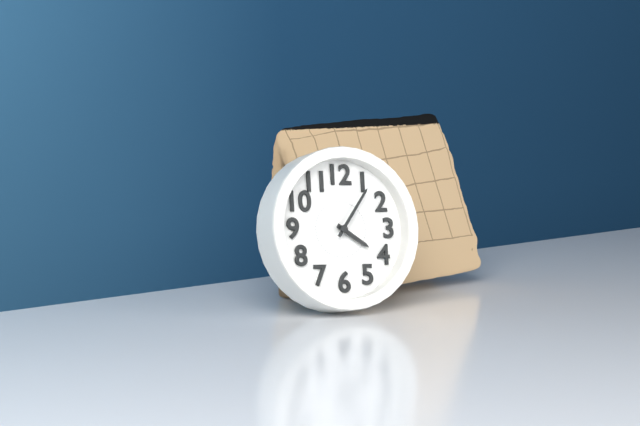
4:06
